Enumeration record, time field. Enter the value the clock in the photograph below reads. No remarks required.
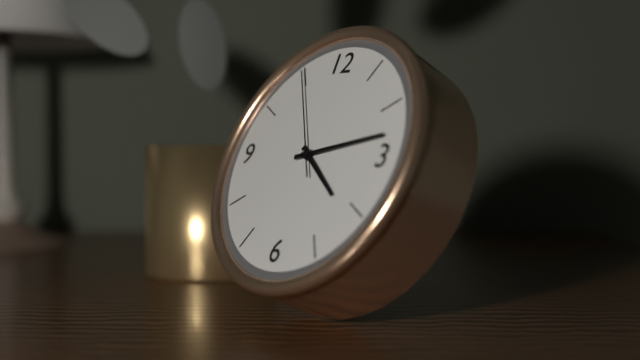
4:13:55
